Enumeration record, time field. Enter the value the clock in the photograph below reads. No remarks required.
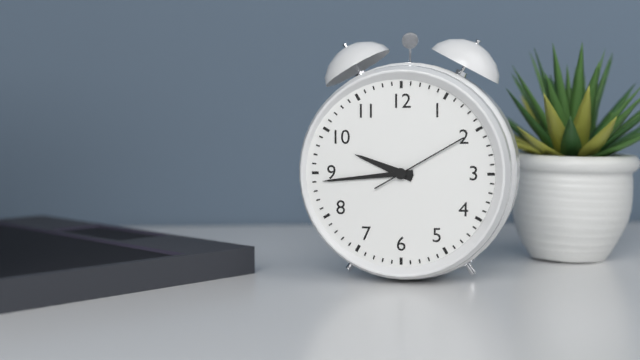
9:44:10
